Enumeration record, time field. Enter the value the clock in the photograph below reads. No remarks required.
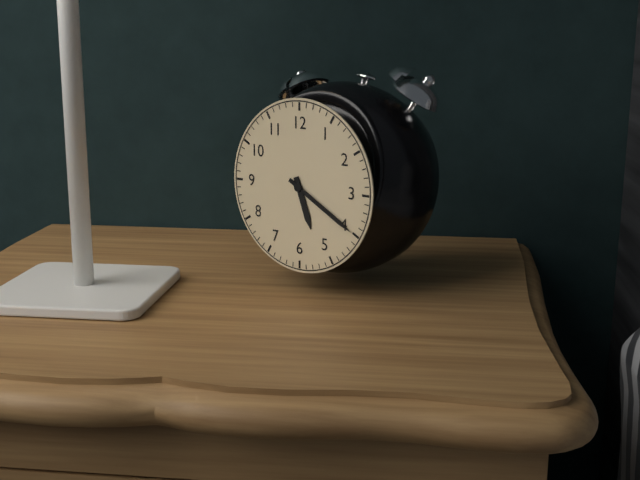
5:20
